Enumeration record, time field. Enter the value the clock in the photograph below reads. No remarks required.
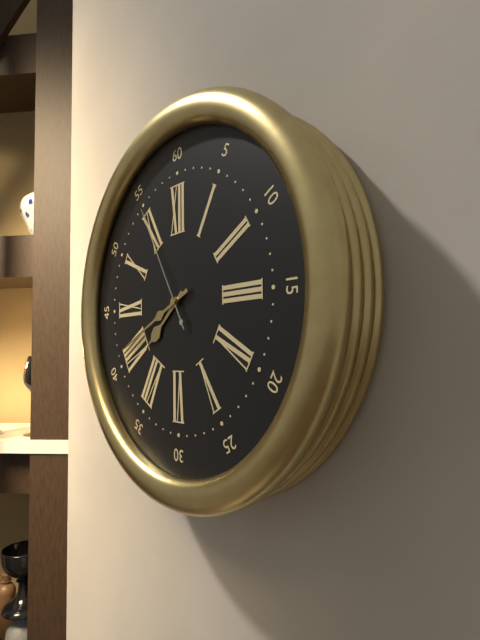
7:41:55
